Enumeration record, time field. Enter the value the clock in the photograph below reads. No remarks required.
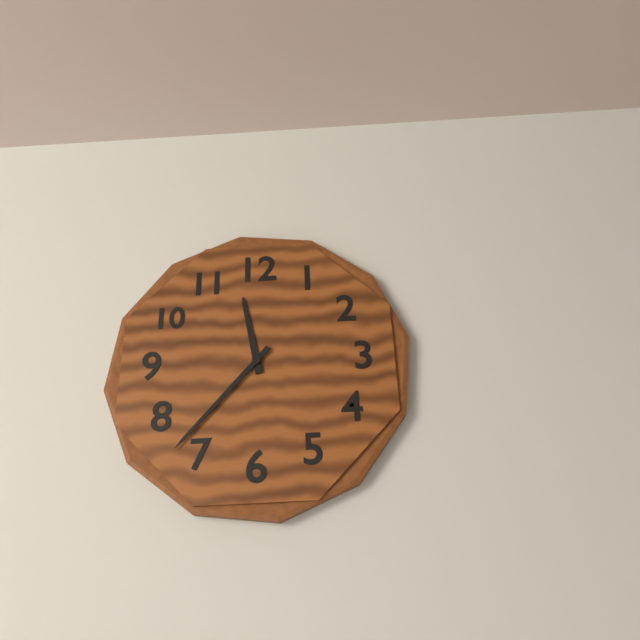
11:37
